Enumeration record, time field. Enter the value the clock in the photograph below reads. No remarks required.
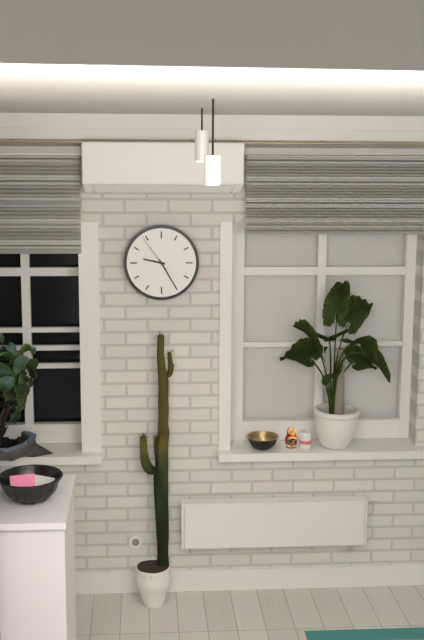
9:25
